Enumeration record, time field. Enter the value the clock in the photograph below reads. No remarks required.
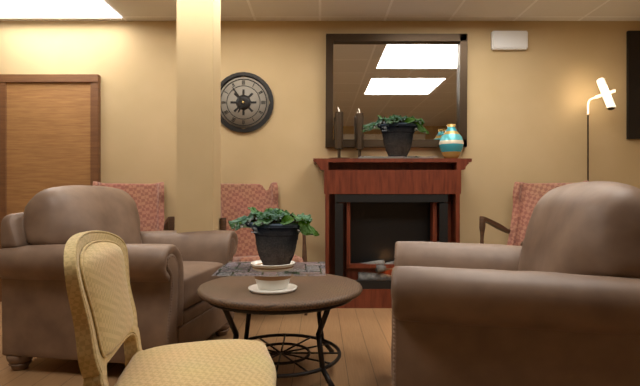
6:54
